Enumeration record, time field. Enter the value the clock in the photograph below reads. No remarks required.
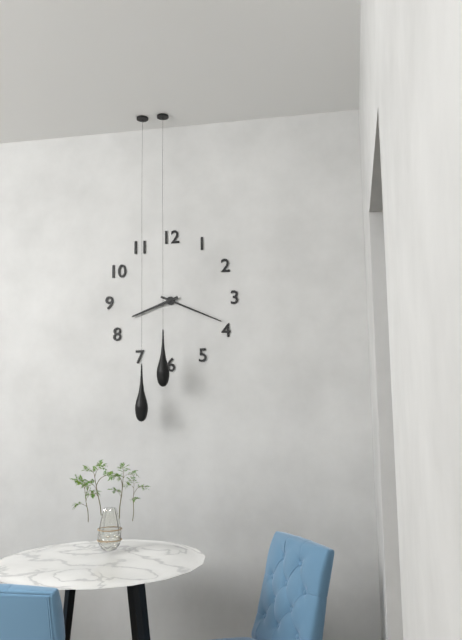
8:19
